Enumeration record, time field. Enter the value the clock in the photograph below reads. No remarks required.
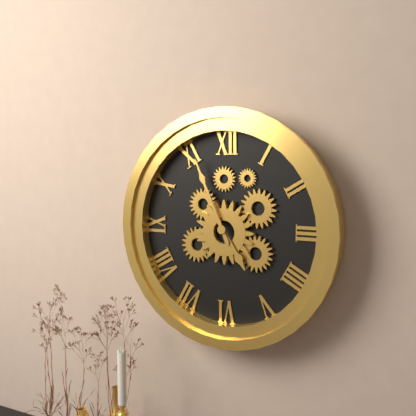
4:56
